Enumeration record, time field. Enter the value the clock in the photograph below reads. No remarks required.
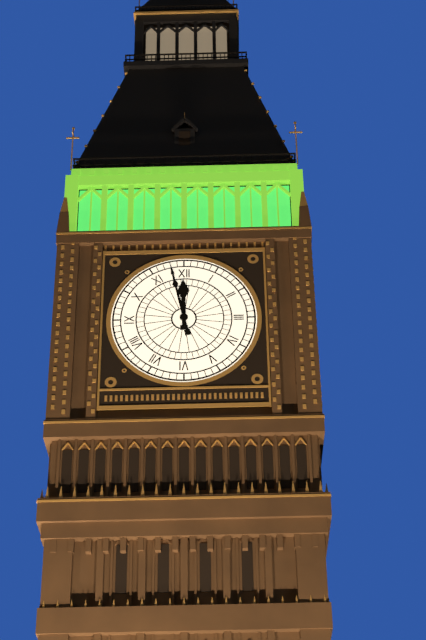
11:58
